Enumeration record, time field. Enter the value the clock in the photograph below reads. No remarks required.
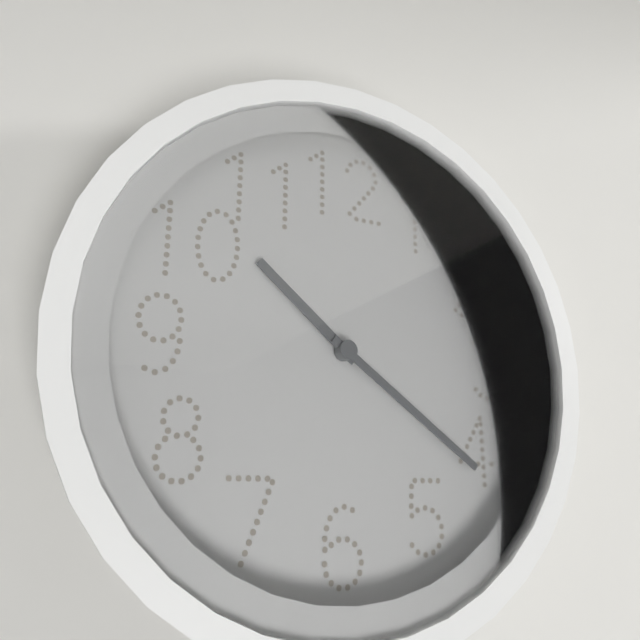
10:21
